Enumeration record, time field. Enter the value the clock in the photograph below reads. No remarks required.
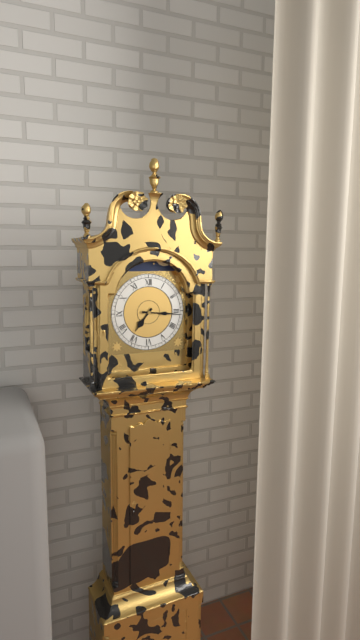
7:16
